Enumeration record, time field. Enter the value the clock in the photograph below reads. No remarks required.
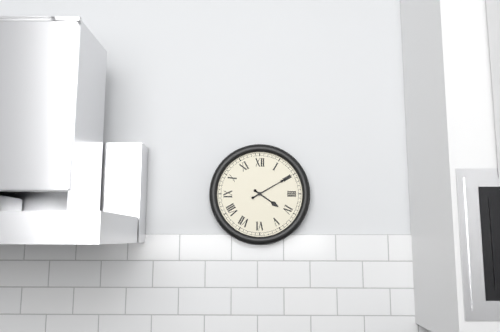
4:10
